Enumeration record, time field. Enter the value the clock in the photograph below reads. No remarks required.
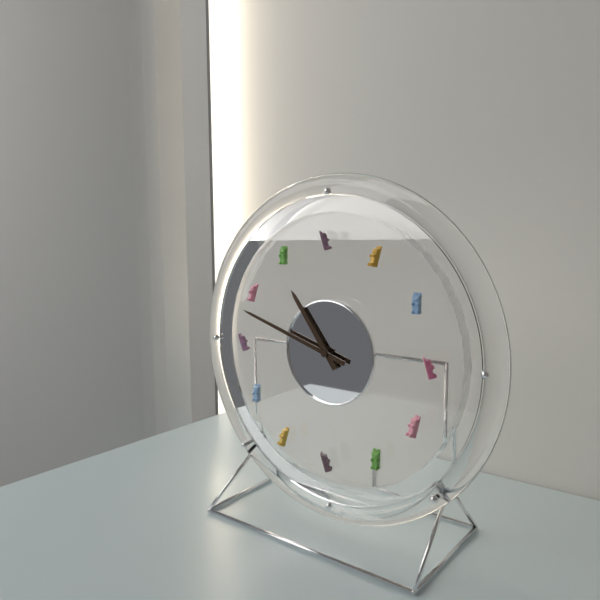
10:48
